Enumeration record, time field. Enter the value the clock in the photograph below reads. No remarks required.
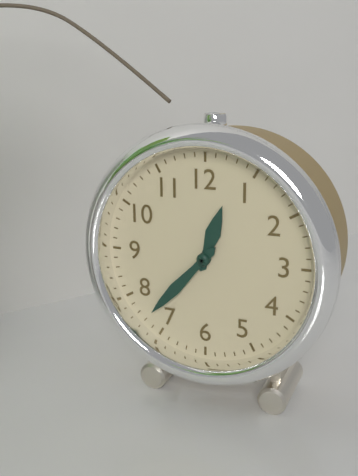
12:37
